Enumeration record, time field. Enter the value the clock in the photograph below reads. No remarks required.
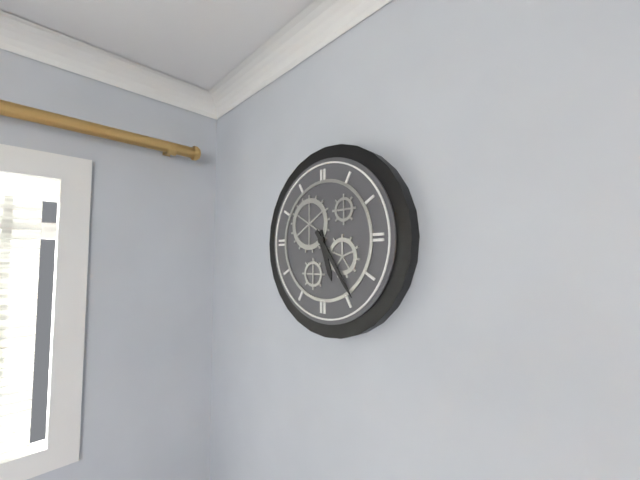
5:24
